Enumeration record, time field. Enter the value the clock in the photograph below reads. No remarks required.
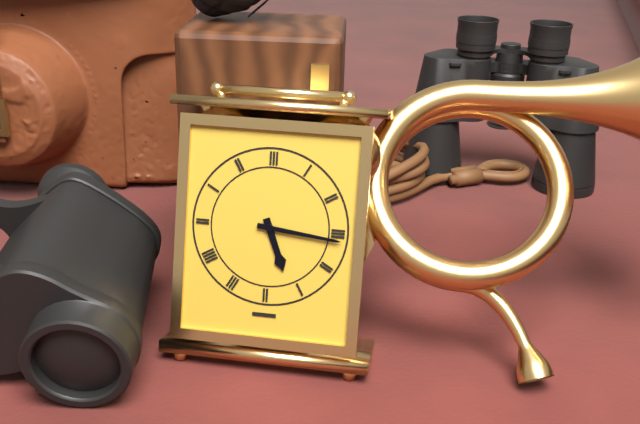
5:16
